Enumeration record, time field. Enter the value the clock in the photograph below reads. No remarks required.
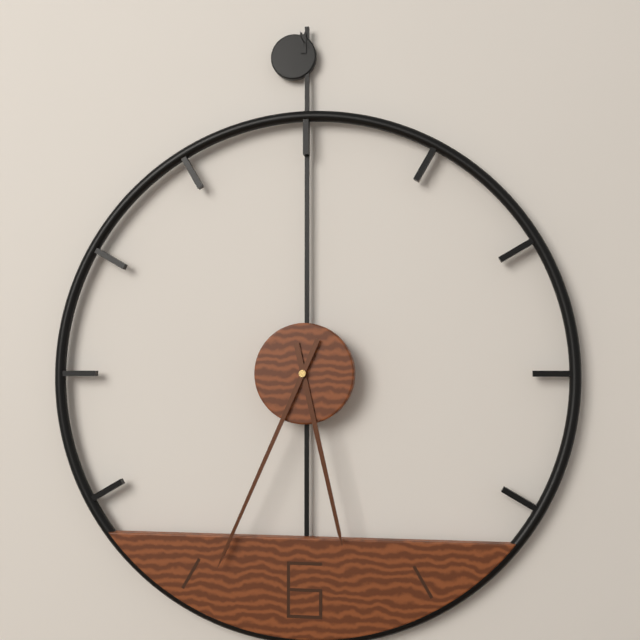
5:34
